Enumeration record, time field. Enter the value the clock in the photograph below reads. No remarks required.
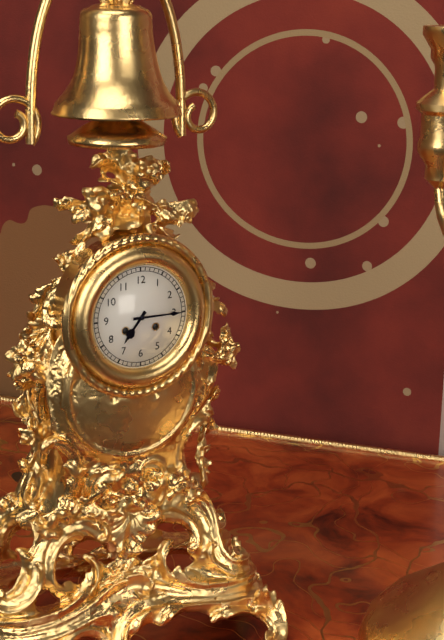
7:15
